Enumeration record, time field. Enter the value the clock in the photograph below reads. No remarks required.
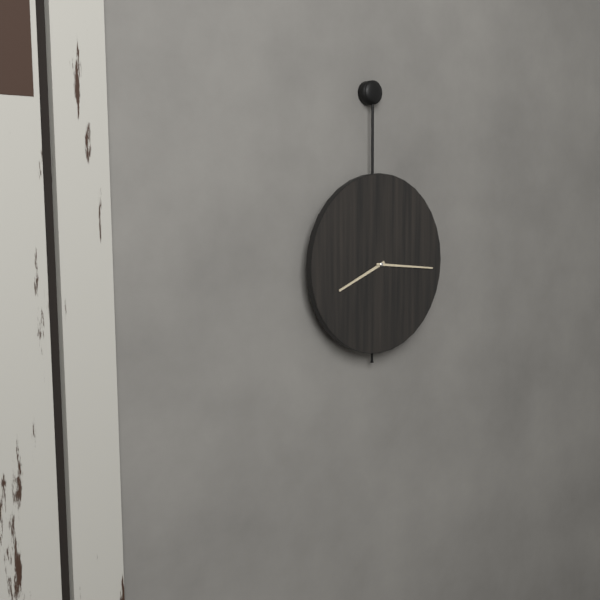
8:16
